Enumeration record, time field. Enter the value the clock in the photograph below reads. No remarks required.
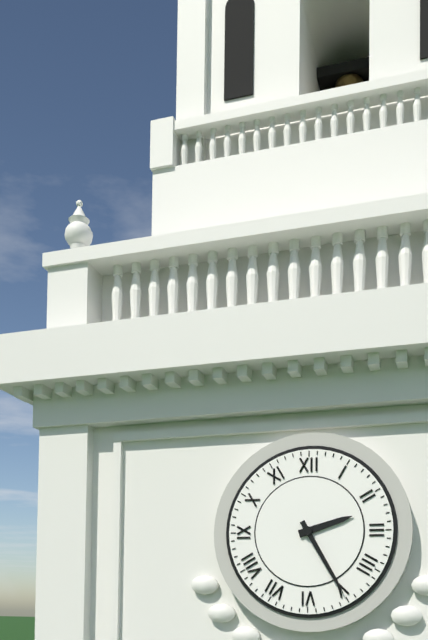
2:25
